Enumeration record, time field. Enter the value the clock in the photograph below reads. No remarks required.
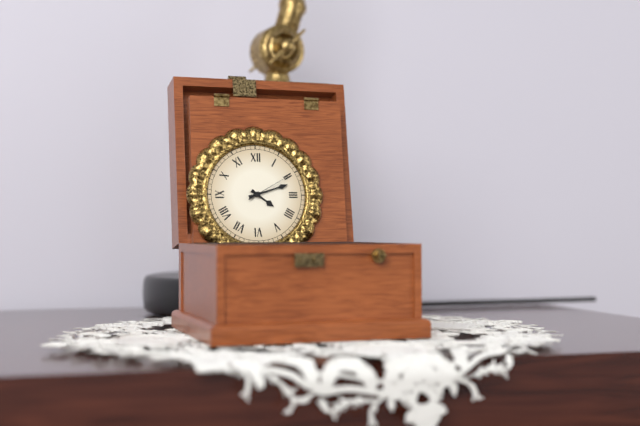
4:12
